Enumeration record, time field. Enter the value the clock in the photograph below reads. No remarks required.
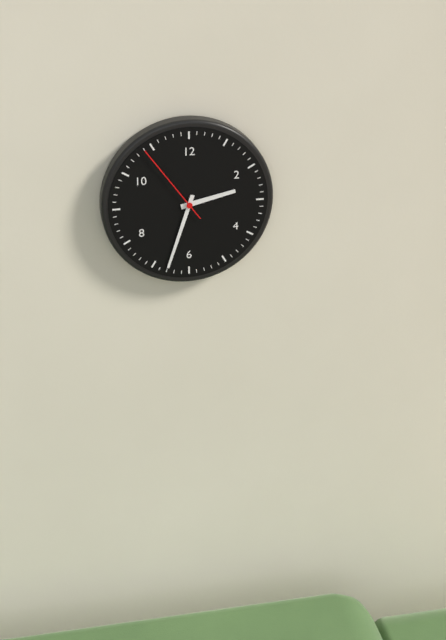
2:33:54
